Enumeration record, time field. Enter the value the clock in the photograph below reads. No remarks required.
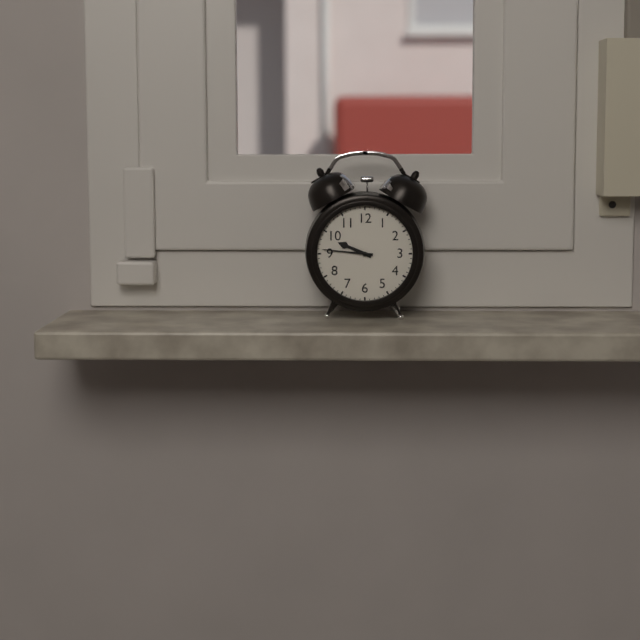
9:46
